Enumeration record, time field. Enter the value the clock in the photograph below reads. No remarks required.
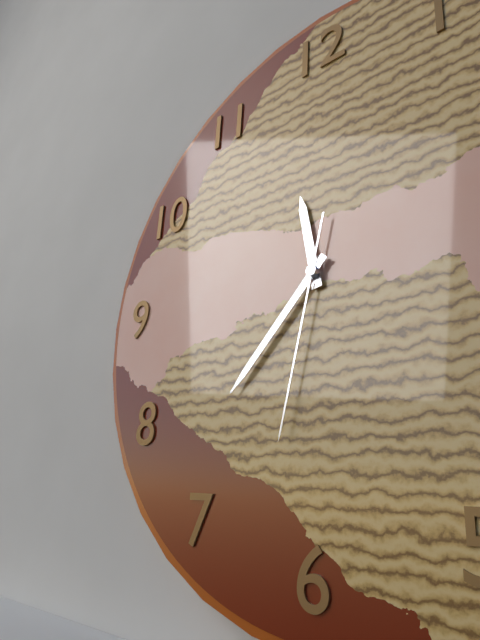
11:37:32
